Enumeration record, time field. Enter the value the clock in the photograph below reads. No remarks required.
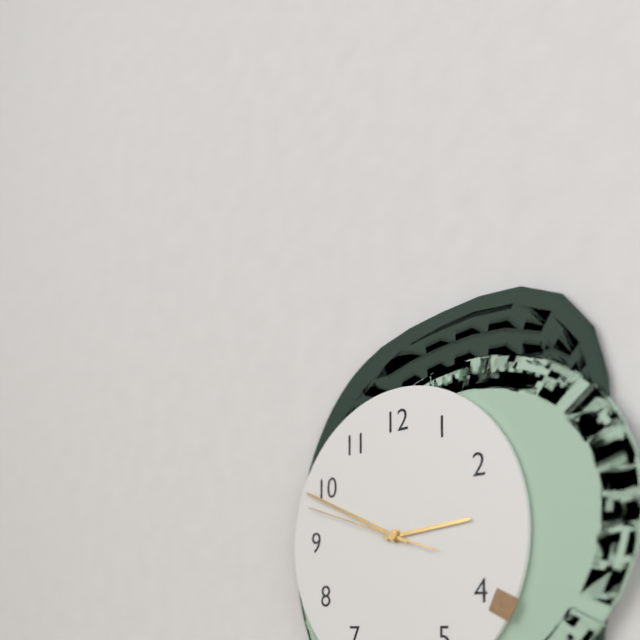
2:49:48
